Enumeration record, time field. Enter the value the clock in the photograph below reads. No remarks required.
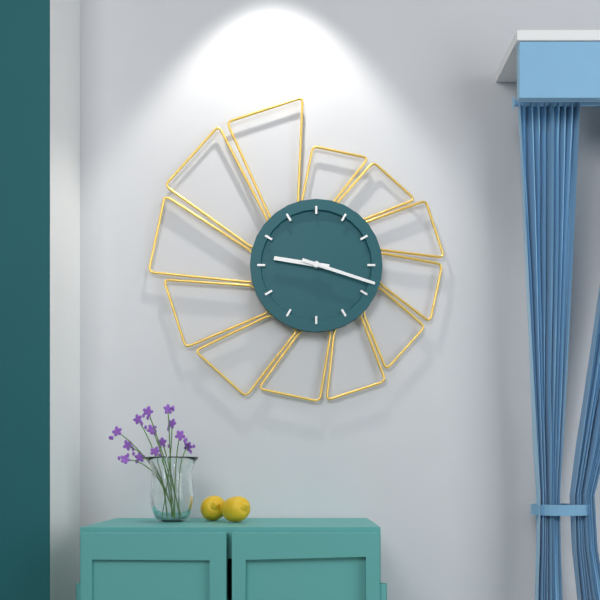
9:18
